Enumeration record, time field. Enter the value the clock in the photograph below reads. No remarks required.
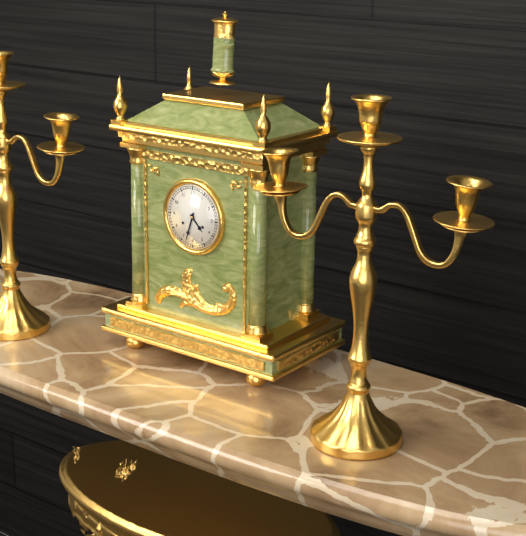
4:33
